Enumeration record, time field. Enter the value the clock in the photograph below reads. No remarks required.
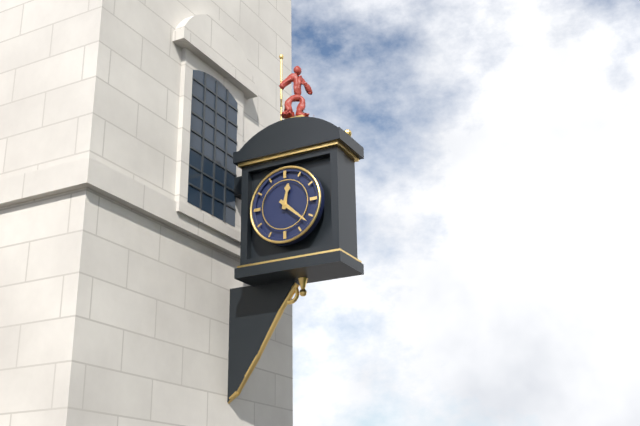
12:22
